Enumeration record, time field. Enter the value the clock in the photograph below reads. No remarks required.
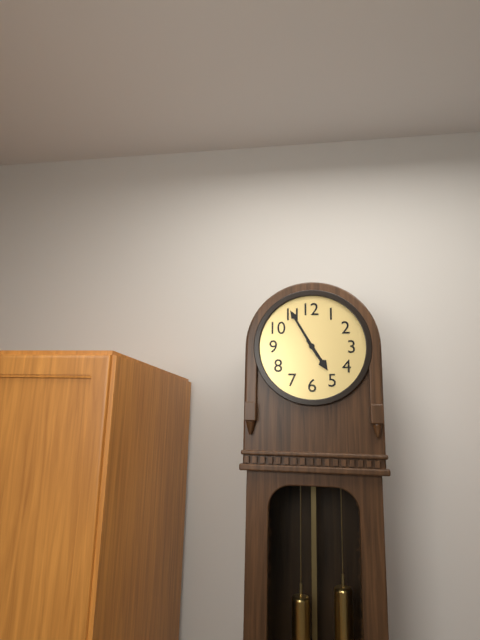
4:55
